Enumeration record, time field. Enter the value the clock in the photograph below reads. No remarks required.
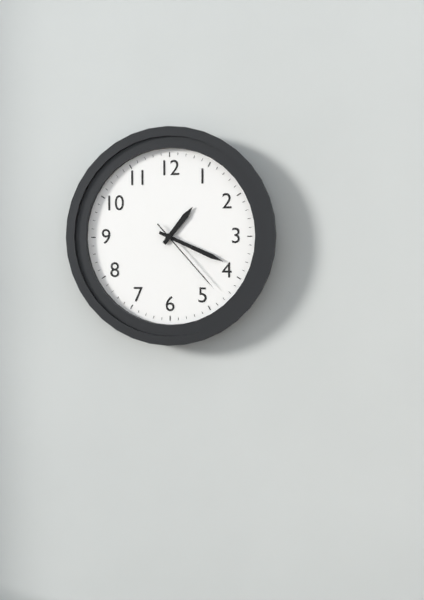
1:19:23
